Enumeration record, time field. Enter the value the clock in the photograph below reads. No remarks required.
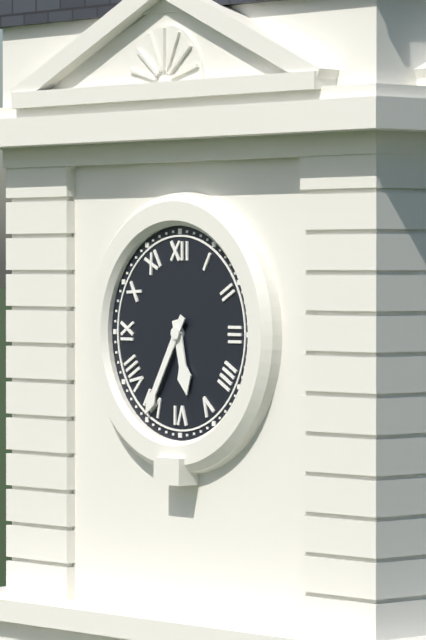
5:35
